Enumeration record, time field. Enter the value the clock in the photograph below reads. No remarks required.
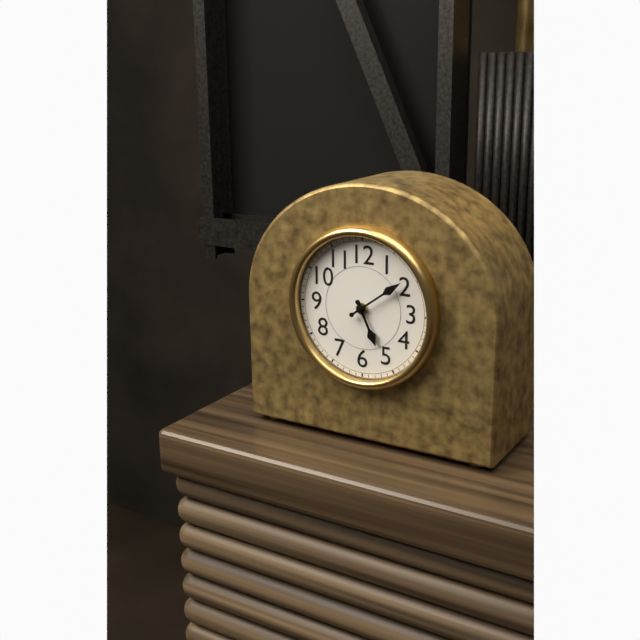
5:09
